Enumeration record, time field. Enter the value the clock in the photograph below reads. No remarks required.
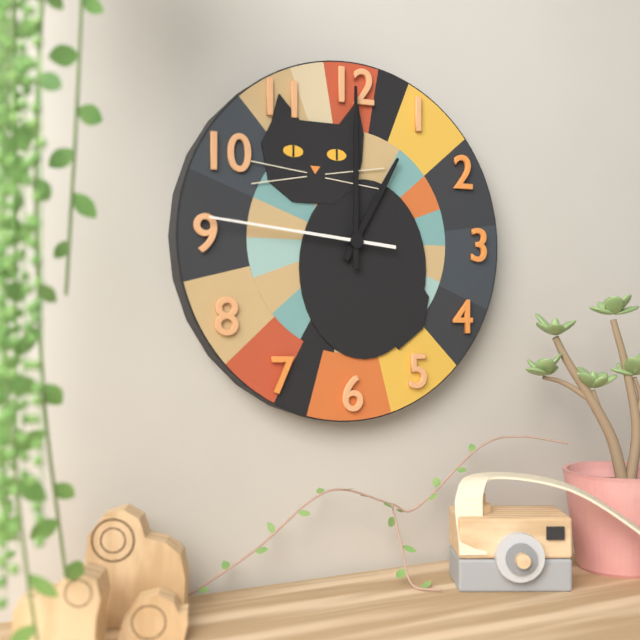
1:00:46
